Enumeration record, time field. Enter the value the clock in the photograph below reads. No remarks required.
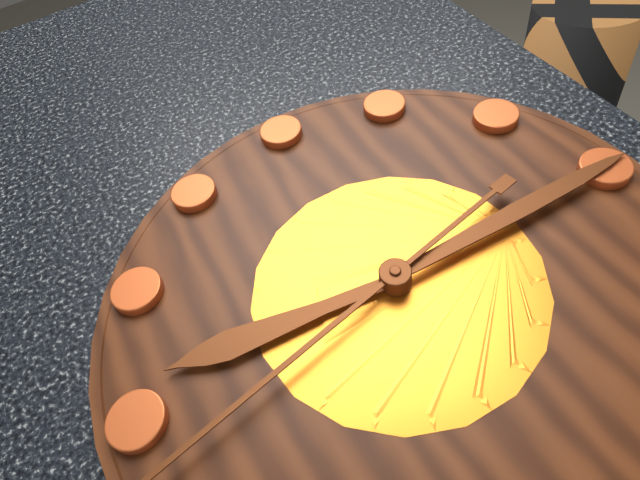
9:15
